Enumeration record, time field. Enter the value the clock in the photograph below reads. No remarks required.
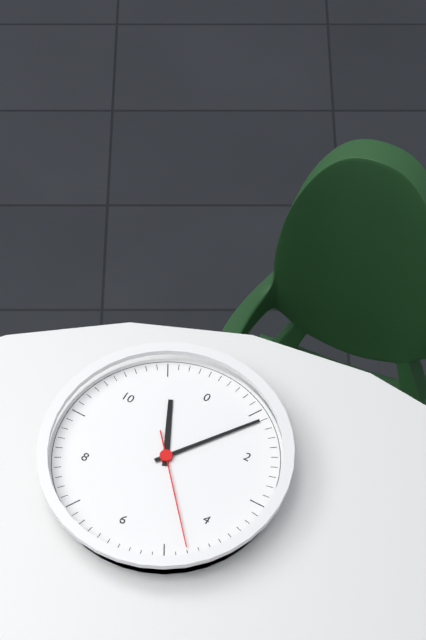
11:06:23
